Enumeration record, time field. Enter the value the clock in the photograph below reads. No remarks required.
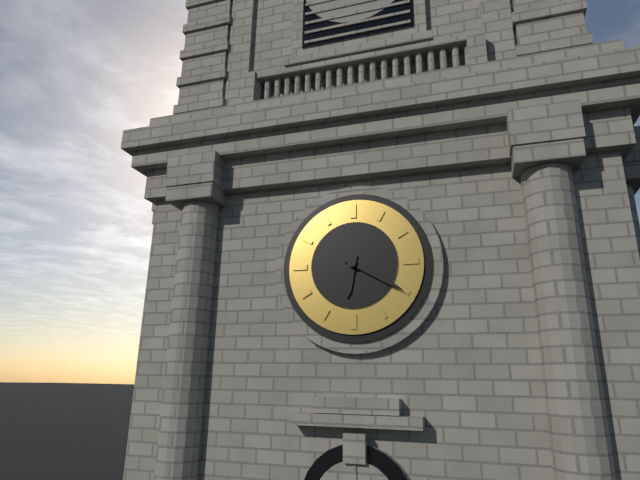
6:20
